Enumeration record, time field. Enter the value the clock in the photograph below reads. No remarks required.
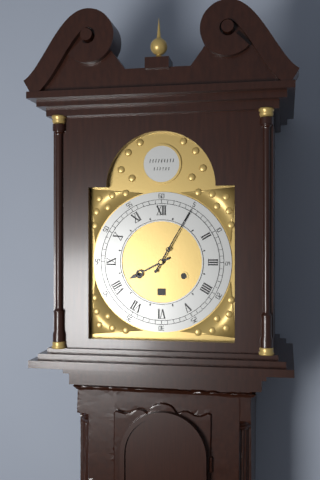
8:05
